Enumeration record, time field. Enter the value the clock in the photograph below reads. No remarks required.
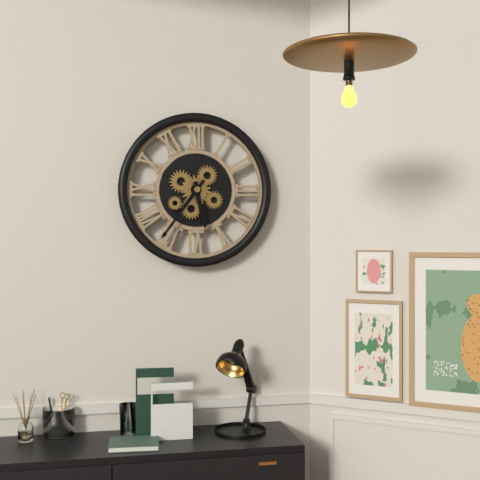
5:36
